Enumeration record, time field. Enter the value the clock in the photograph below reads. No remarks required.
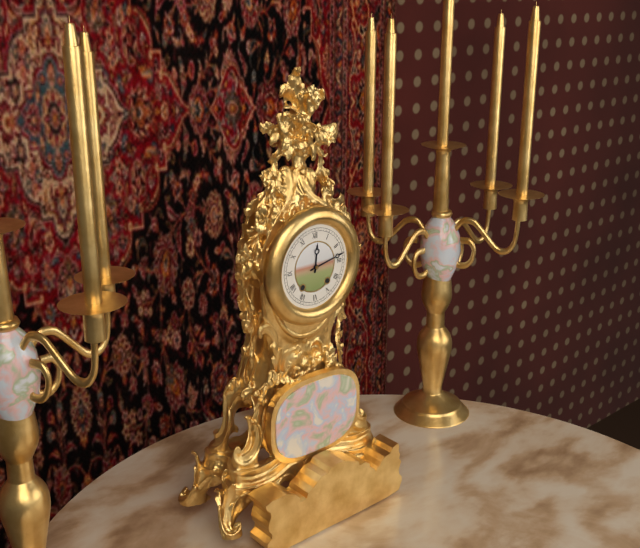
12:13
